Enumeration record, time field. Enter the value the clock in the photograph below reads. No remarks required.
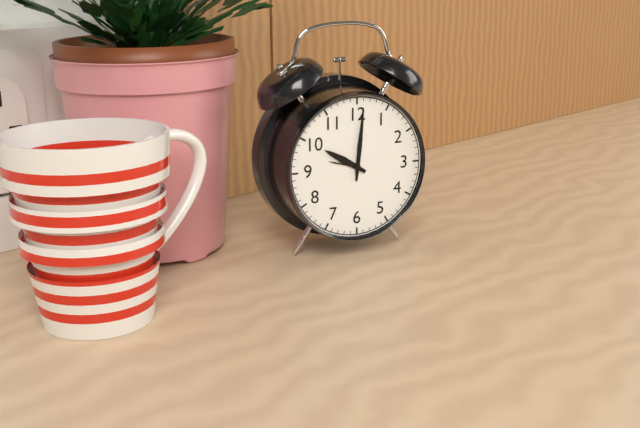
10:01
